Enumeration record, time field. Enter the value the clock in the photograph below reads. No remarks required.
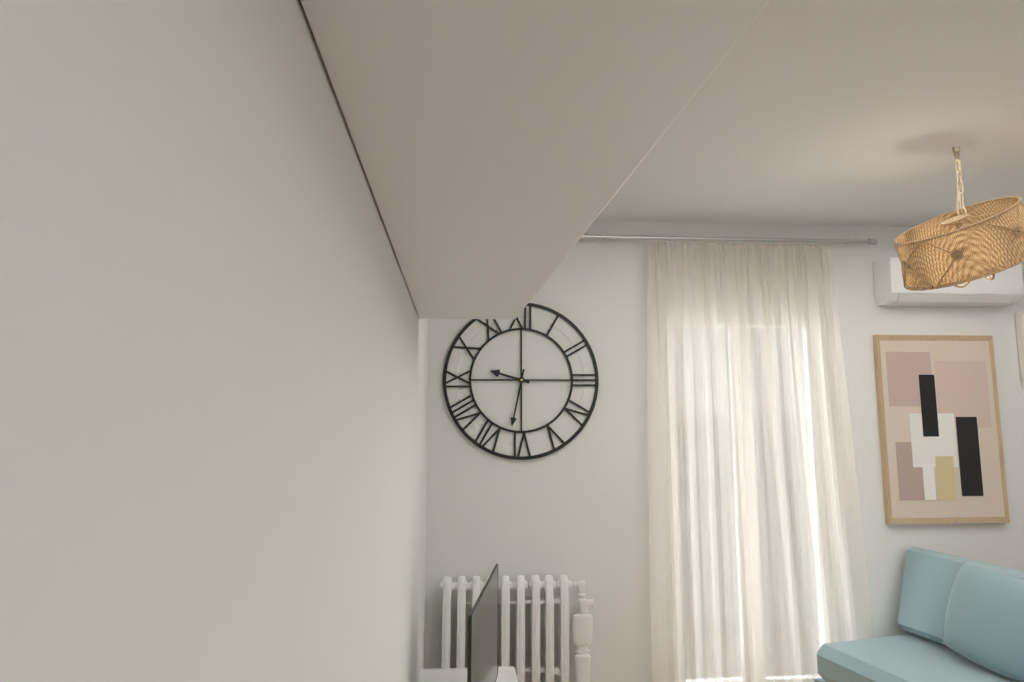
9:32
